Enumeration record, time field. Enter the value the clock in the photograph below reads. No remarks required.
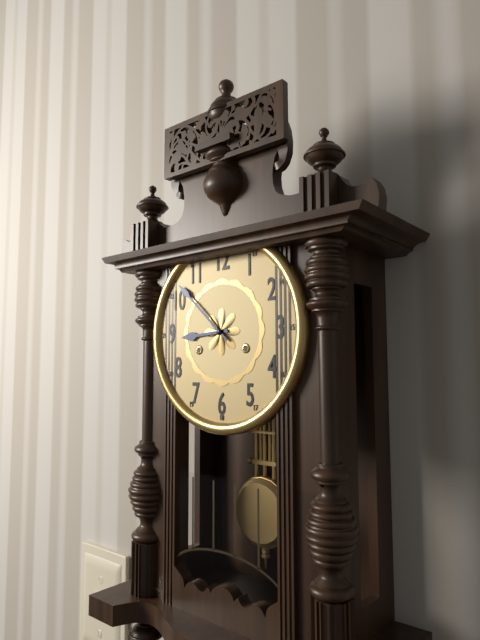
8:52
